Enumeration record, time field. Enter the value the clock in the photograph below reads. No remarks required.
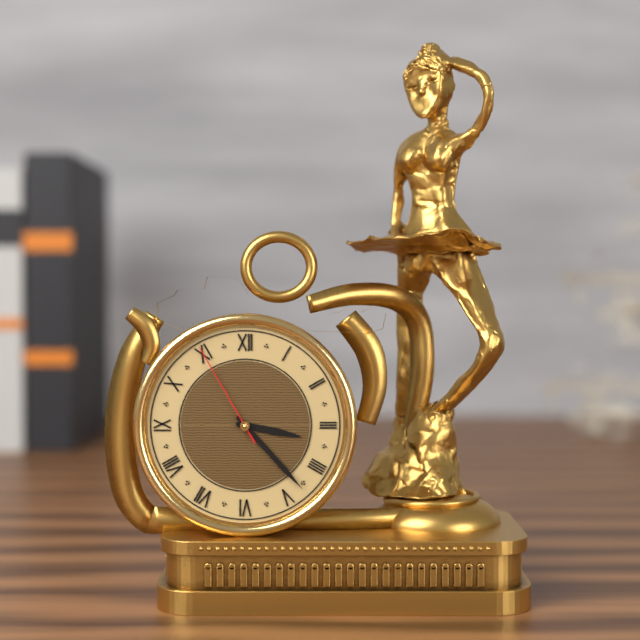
3:23:55
